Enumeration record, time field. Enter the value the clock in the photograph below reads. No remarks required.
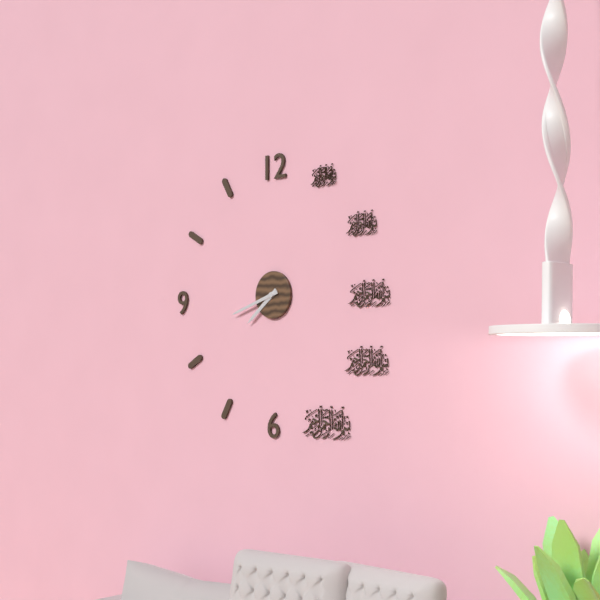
7:42
